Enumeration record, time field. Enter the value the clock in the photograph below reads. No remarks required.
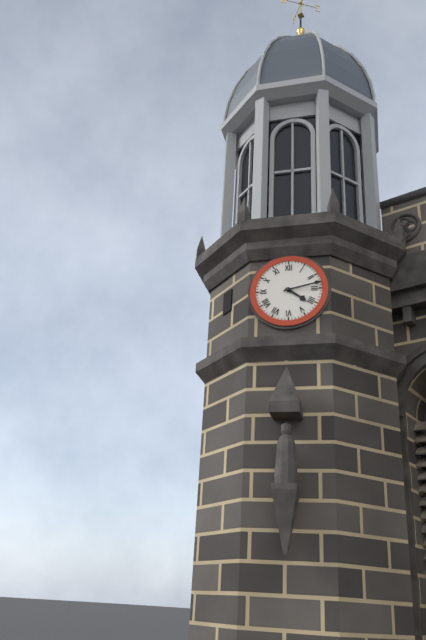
4:13
